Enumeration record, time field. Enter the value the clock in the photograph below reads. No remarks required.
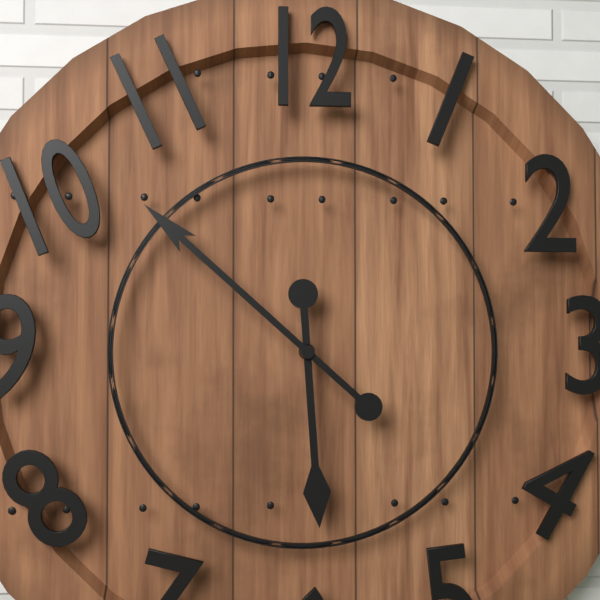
5:52
